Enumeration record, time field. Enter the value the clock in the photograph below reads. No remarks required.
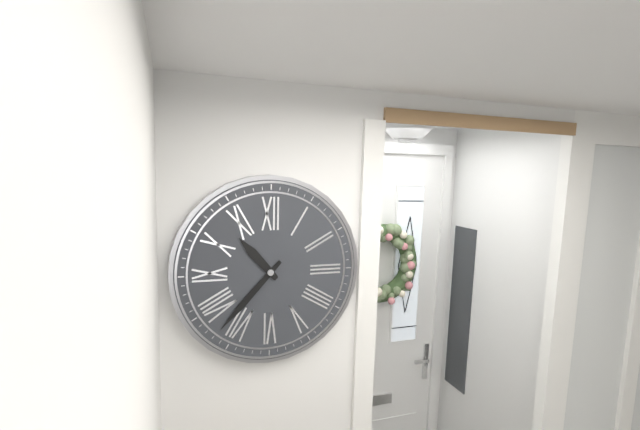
10:37
